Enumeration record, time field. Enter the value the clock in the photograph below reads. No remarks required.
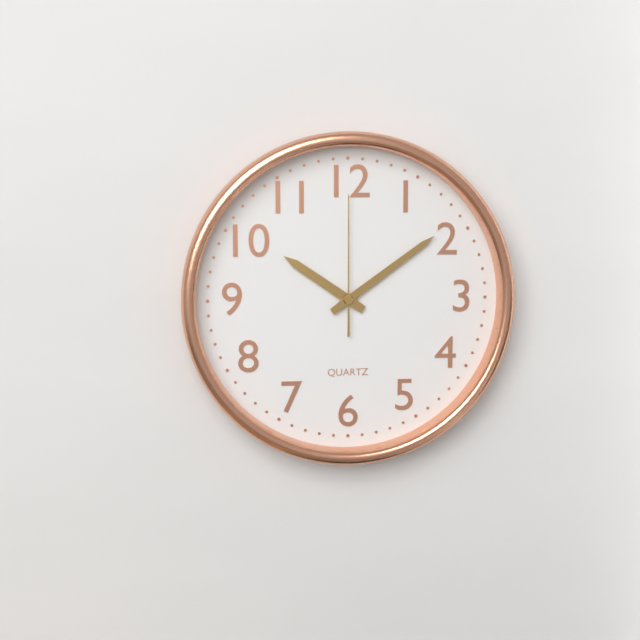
10:09:00
